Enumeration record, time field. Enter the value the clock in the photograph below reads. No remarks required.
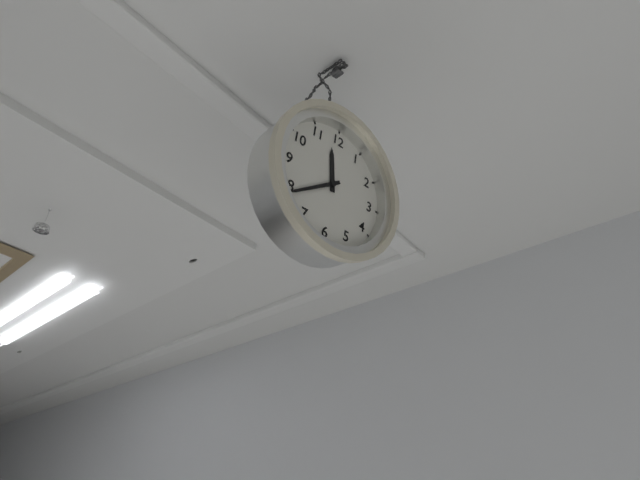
11:39
